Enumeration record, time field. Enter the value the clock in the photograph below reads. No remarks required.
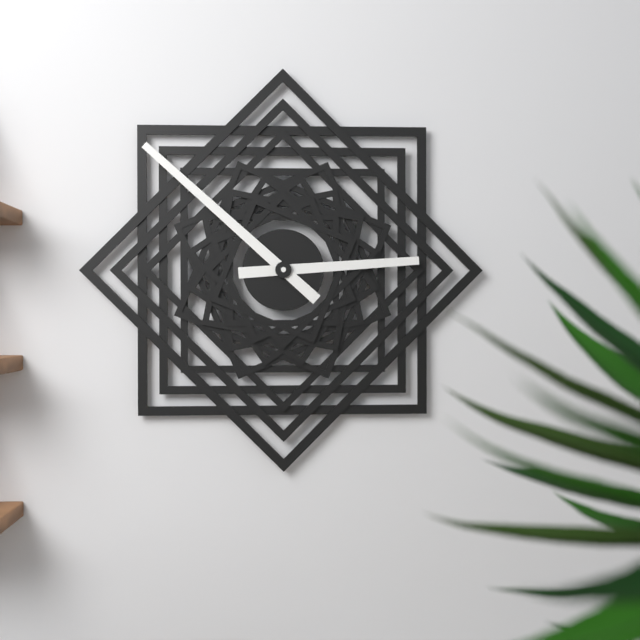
2:52
